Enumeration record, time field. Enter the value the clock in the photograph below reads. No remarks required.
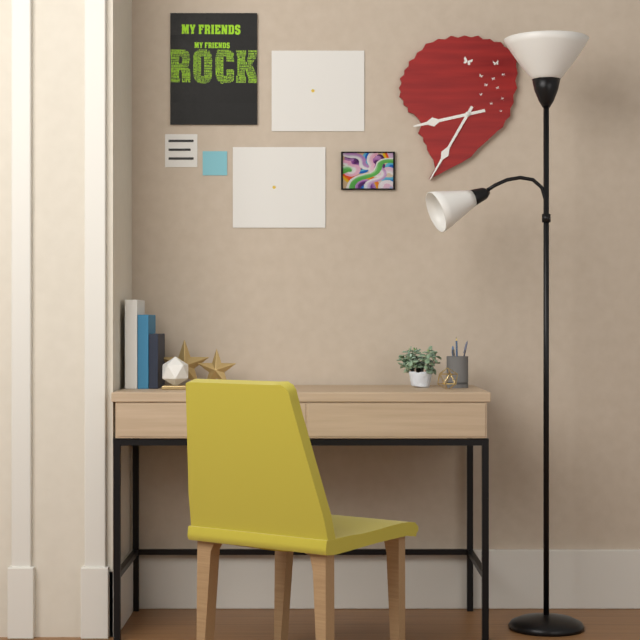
8:35
